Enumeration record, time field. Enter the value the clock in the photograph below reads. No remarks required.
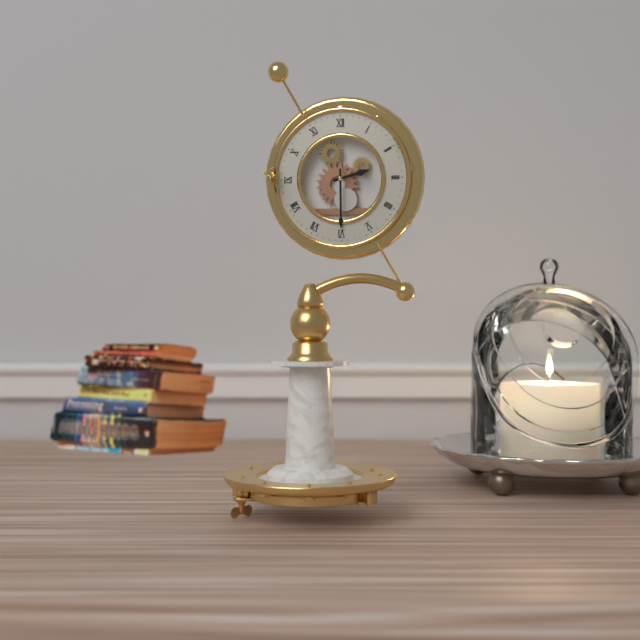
2:30
